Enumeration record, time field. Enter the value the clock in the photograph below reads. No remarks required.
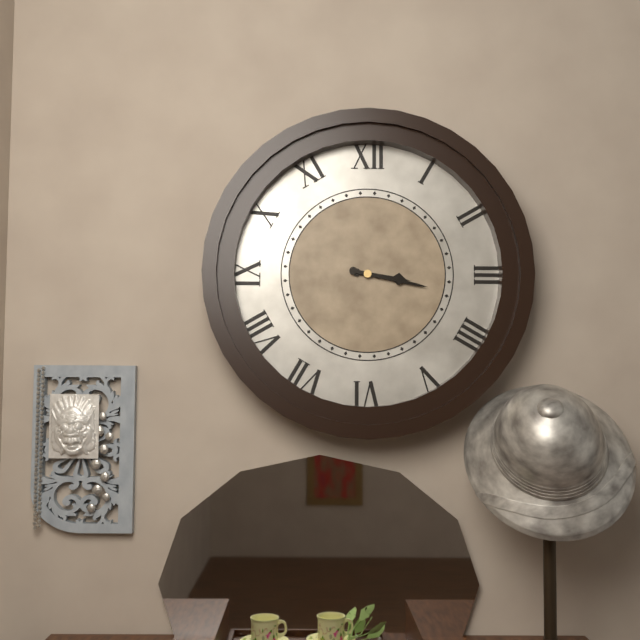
3:17
